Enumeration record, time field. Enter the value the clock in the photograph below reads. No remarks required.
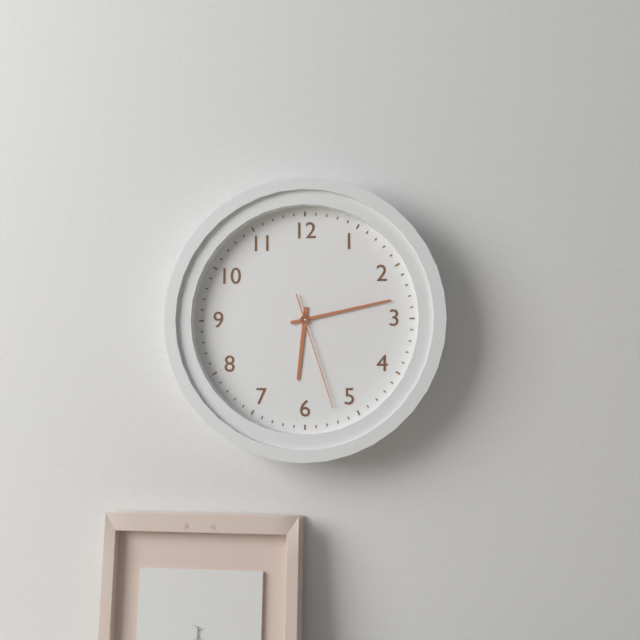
6:13:27
